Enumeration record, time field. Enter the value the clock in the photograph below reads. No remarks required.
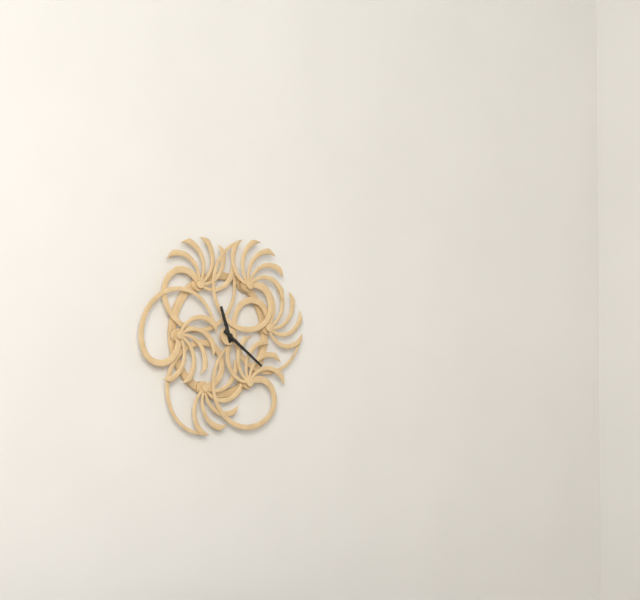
11:21
